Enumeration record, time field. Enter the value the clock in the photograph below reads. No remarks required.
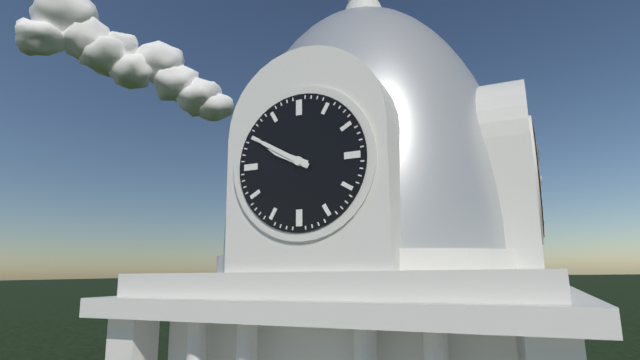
9:50
